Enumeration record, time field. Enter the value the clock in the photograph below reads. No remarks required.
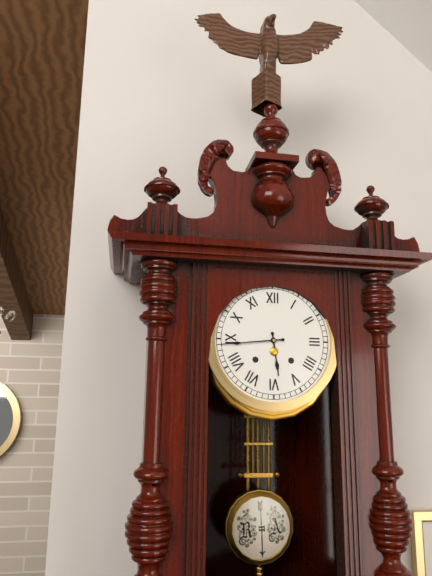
5:44
